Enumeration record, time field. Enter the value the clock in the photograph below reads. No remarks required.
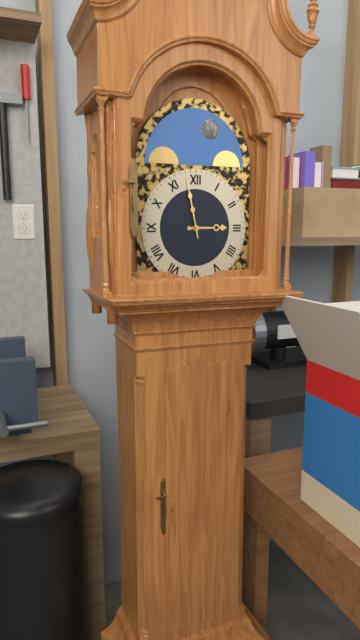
2:58
